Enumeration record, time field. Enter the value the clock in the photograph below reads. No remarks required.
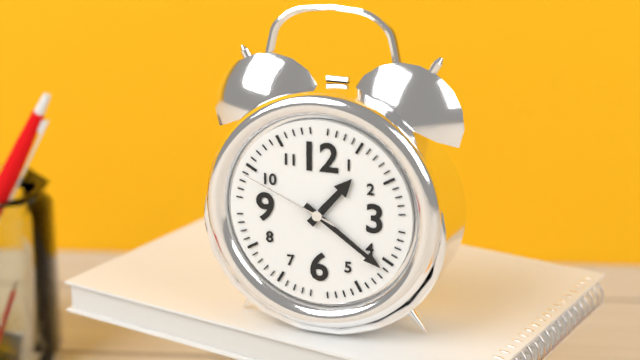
1:21:49
